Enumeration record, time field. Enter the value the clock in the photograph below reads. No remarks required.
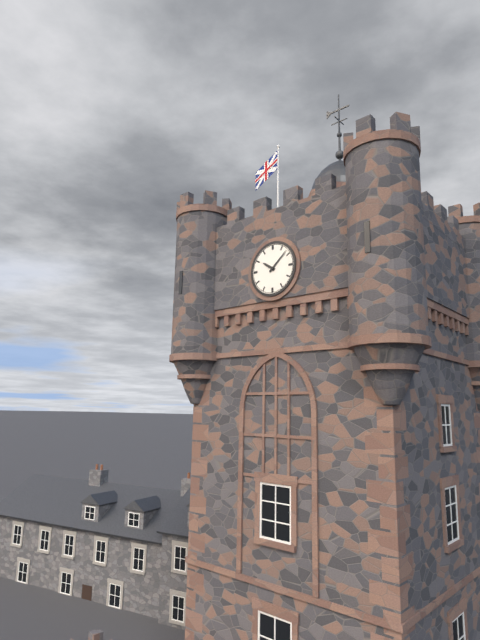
10:08
